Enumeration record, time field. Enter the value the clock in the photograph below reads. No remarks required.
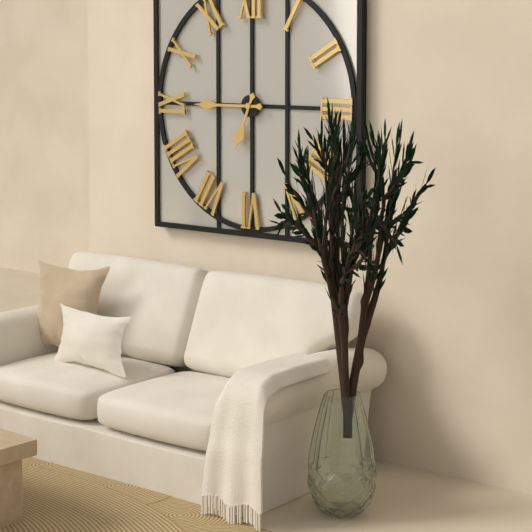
6:45
